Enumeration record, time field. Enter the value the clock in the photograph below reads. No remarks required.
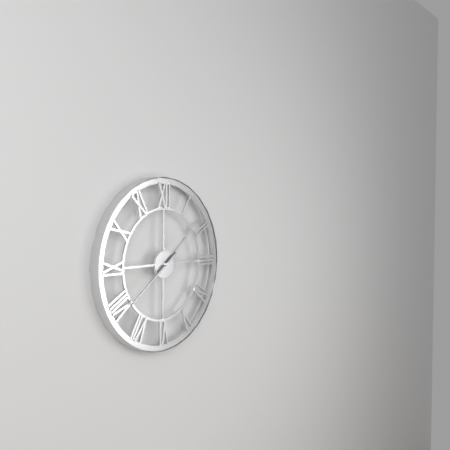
1:39
